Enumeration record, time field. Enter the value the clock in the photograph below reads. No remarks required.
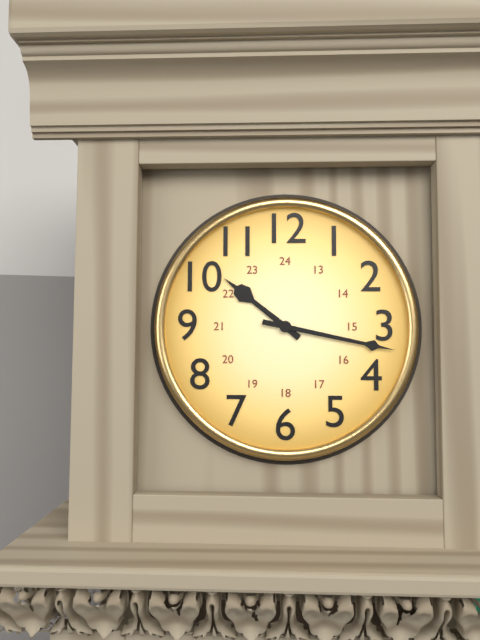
10:17
